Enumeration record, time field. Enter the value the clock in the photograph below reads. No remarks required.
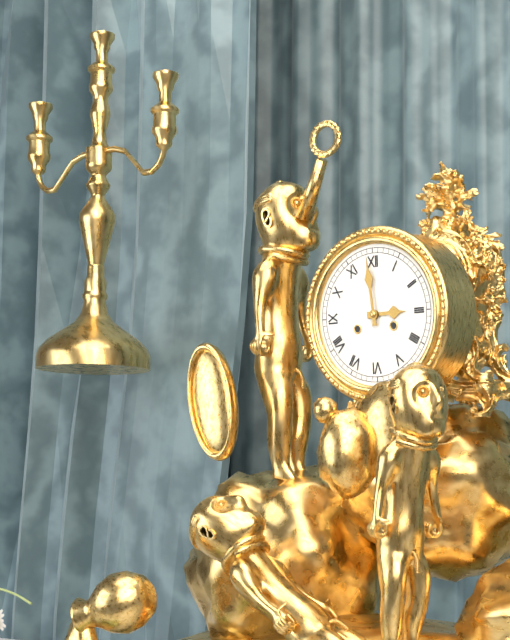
2:59
